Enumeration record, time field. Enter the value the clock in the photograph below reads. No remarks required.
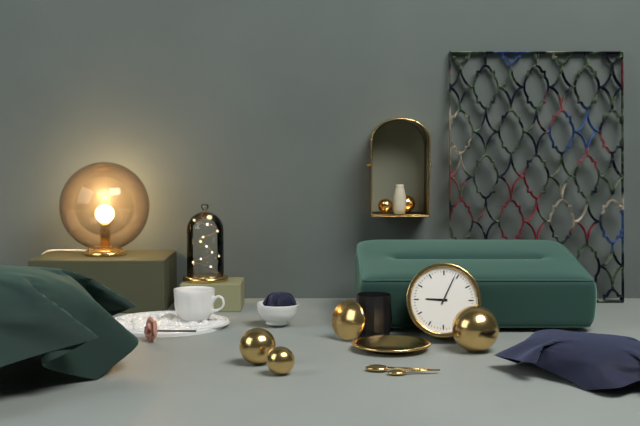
9:04
